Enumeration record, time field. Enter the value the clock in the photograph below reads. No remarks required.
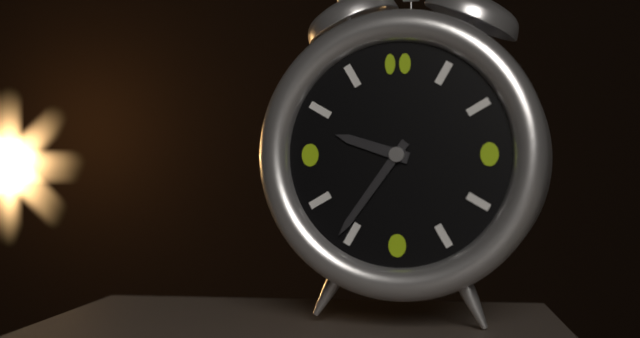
9:36
